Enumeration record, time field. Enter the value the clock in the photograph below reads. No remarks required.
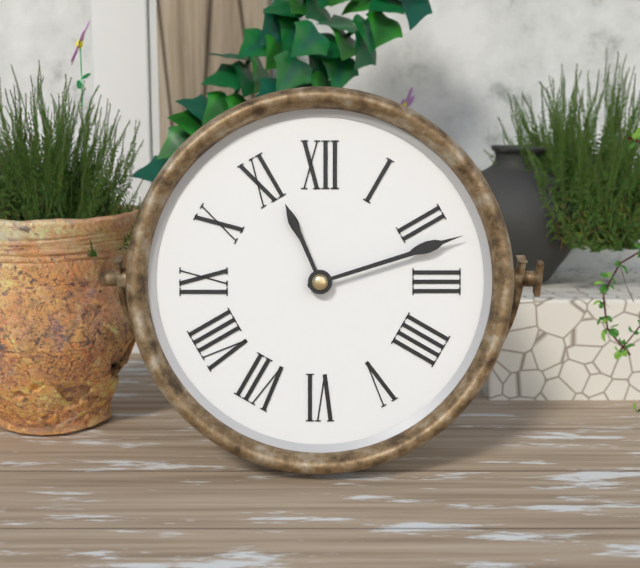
11:12
